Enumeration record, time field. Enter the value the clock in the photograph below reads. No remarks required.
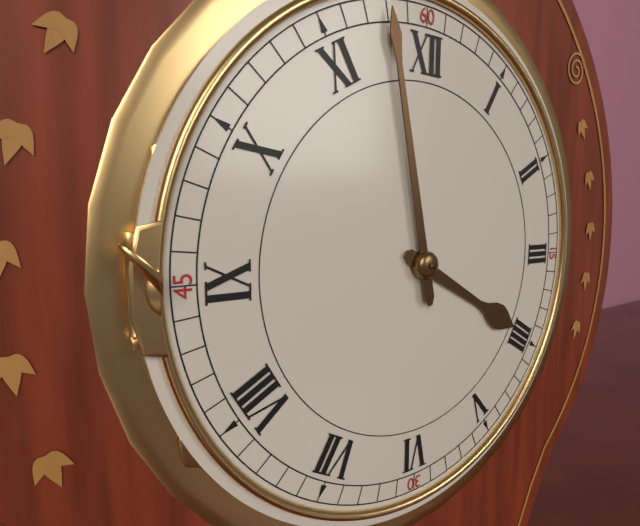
3:58
